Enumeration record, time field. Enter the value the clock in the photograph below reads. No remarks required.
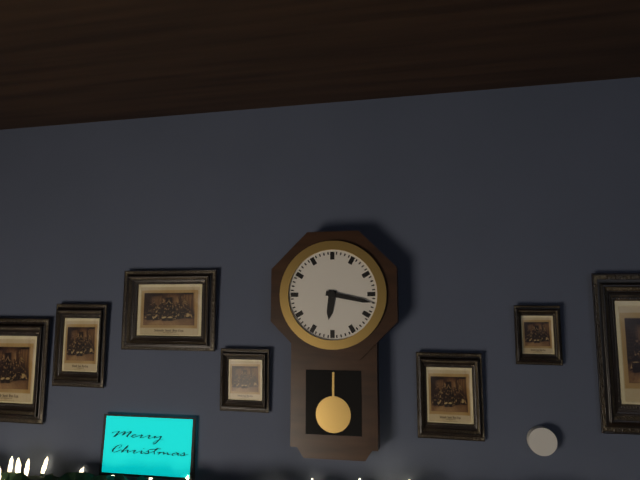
6:17
